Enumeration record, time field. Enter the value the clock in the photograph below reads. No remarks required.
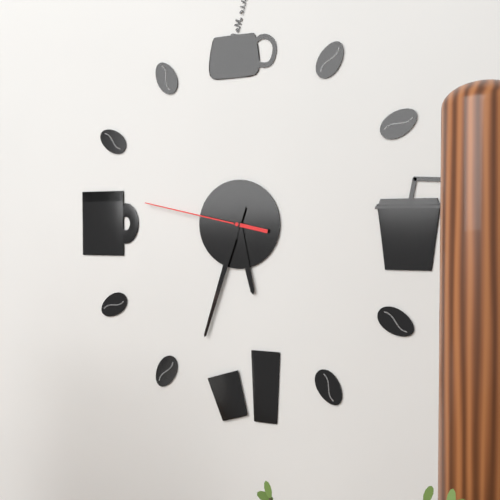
5:33:47
